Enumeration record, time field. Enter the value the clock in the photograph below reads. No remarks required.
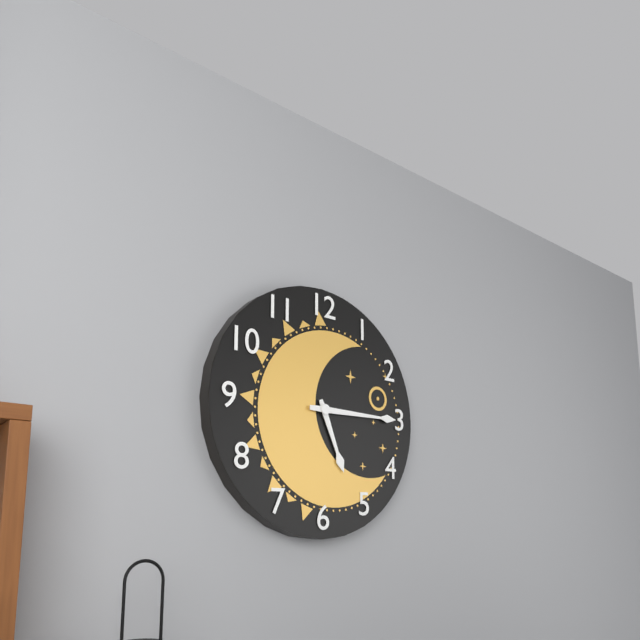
5:15
